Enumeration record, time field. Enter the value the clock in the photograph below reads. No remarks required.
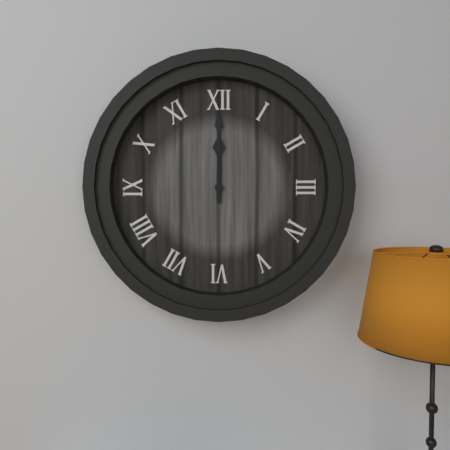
12:00
